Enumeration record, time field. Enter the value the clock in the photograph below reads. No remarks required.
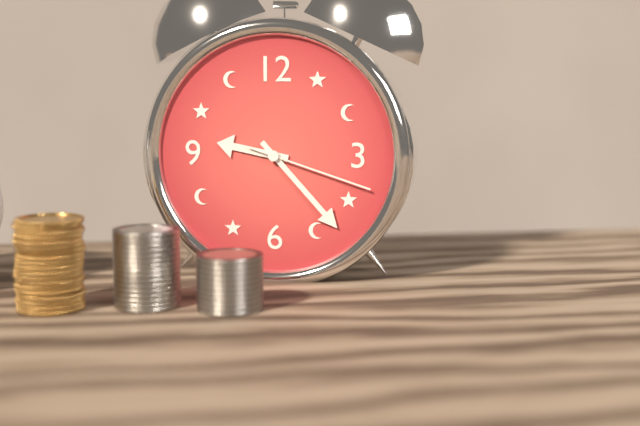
9:23:18
